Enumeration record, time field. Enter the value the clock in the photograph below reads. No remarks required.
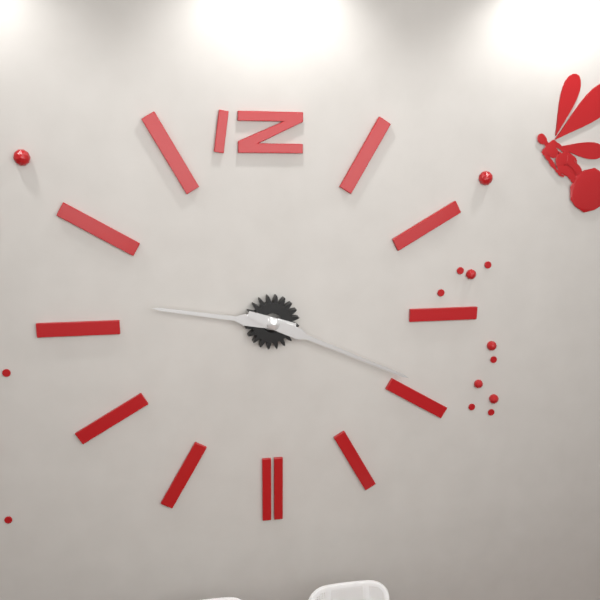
9:19
